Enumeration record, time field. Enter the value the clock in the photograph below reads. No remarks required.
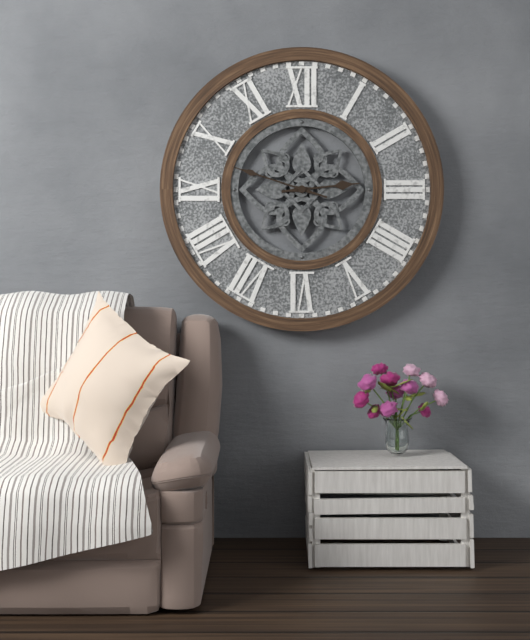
2:48
